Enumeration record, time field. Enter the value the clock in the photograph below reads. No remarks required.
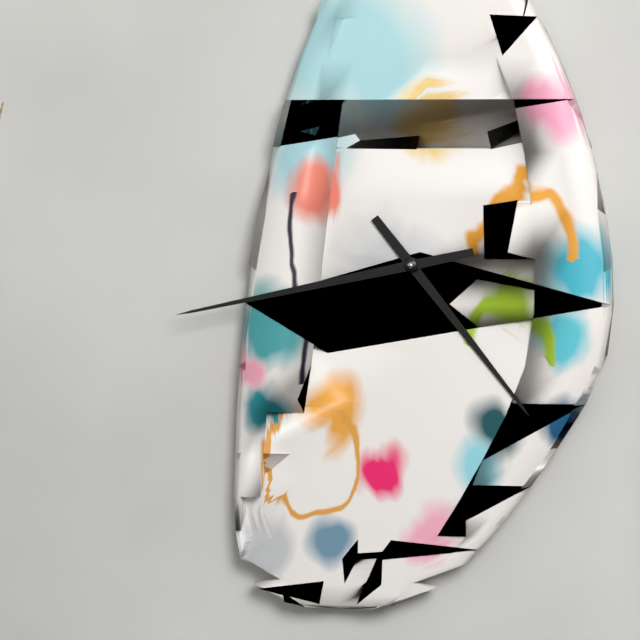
4:43
